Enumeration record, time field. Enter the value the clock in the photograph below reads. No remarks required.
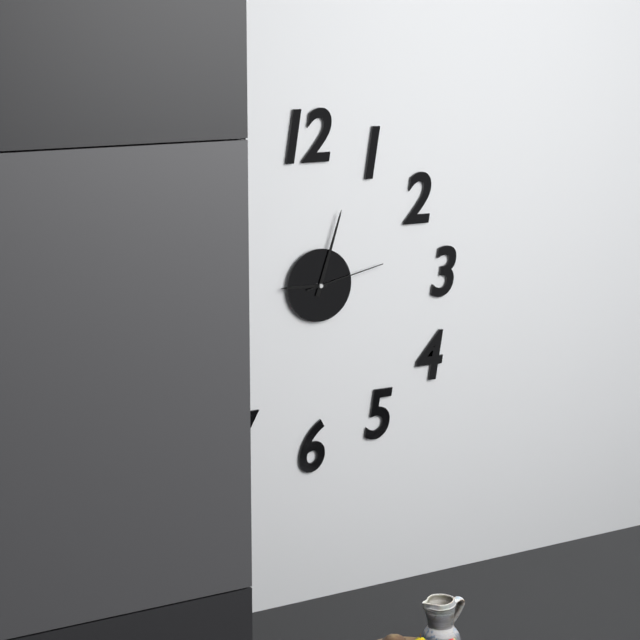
9:03:13
